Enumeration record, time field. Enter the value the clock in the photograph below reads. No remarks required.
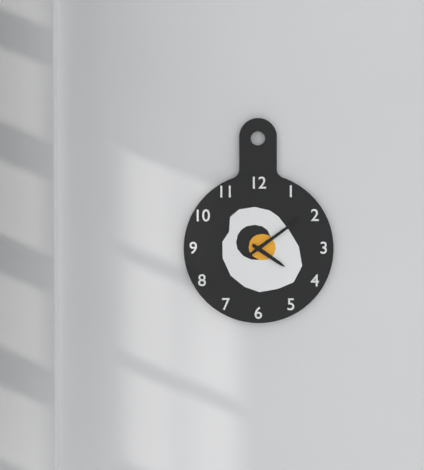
4:09
